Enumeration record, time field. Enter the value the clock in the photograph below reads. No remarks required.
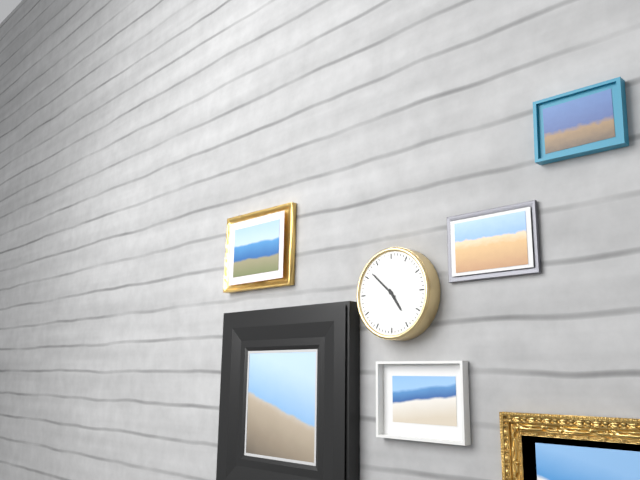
4:52
